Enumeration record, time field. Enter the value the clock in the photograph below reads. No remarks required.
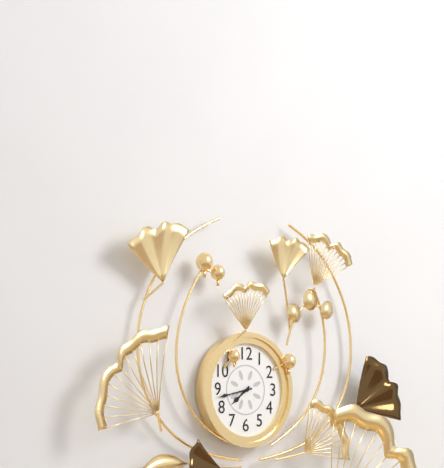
7:43
